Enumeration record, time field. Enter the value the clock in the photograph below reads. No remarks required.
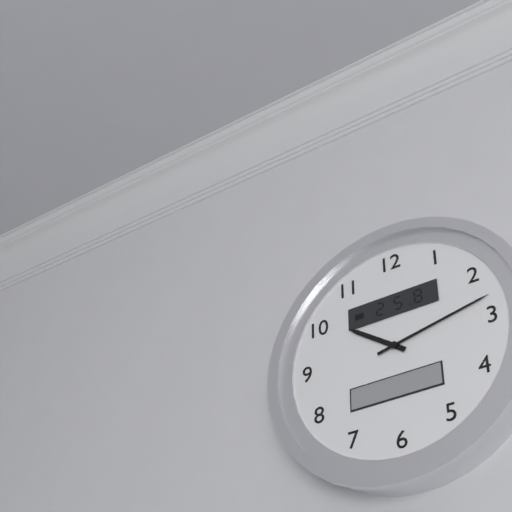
10:13
